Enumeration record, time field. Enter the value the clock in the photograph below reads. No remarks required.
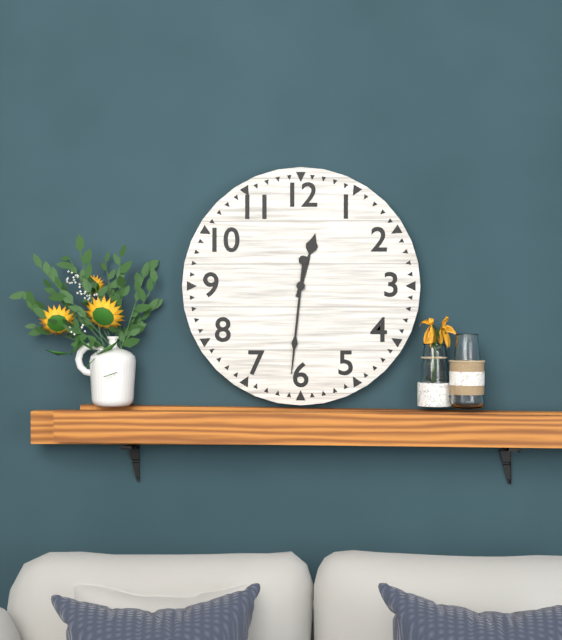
12:31
